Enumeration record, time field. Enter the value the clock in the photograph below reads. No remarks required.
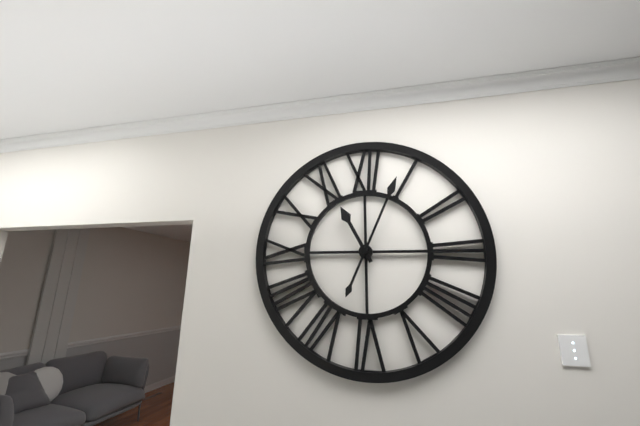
11:04
